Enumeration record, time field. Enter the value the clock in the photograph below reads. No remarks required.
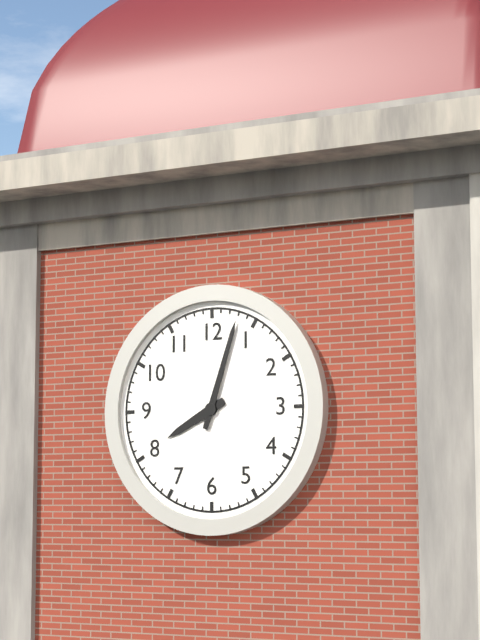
8:03
